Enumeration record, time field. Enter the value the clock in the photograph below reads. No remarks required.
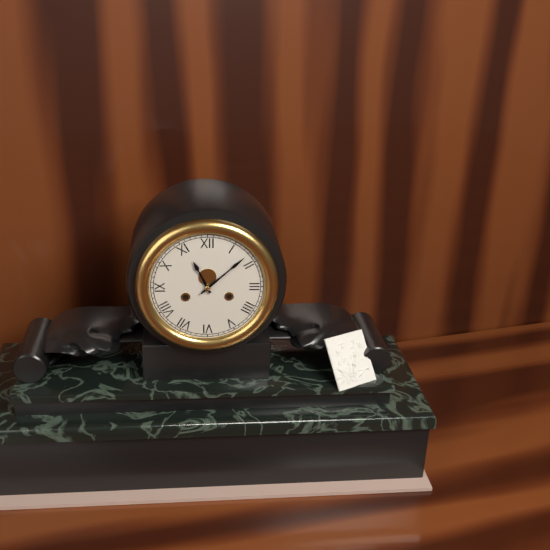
11:08
